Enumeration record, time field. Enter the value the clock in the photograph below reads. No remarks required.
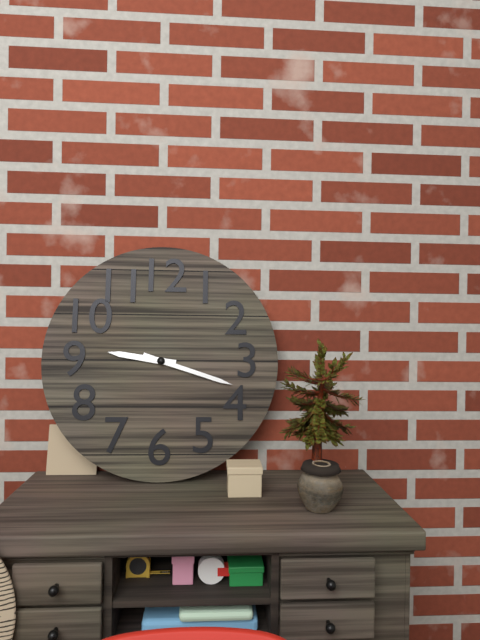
9:18
